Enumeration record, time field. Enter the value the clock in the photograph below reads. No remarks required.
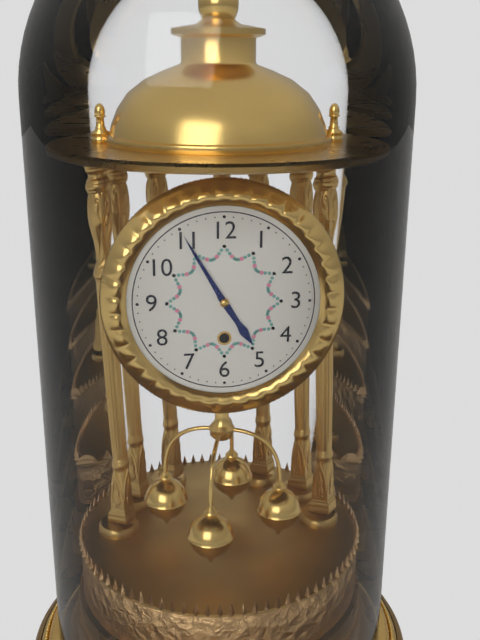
4:55
